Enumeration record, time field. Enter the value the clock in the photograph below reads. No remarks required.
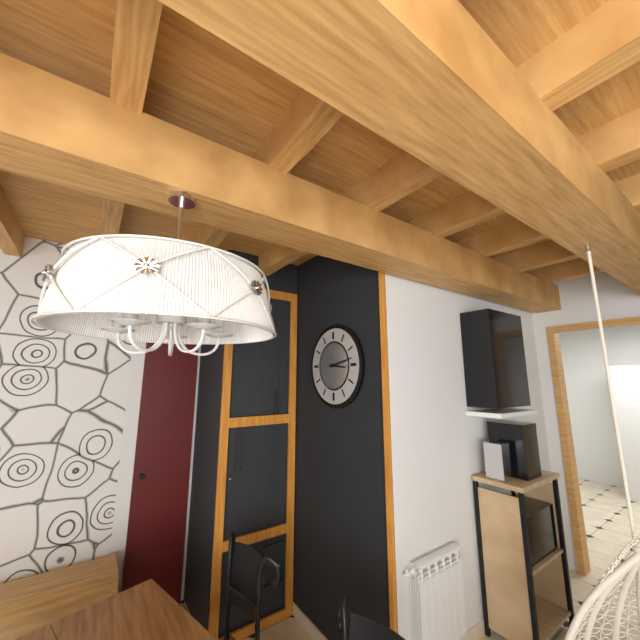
3:13
